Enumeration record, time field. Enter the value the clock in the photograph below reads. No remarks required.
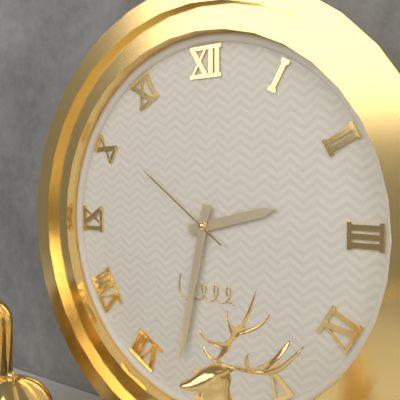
2:32:51
